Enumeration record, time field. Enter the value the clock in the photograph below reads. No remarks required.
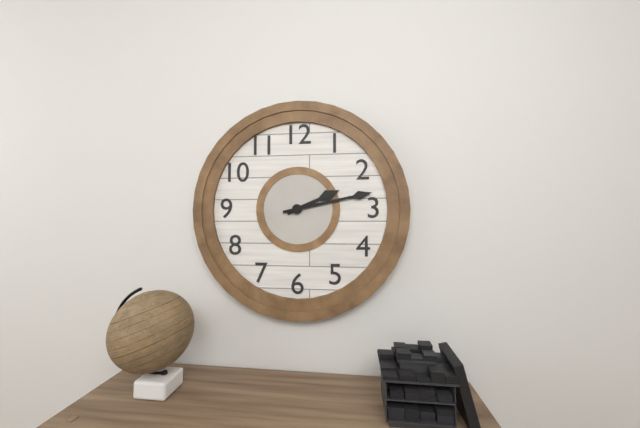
2:13
